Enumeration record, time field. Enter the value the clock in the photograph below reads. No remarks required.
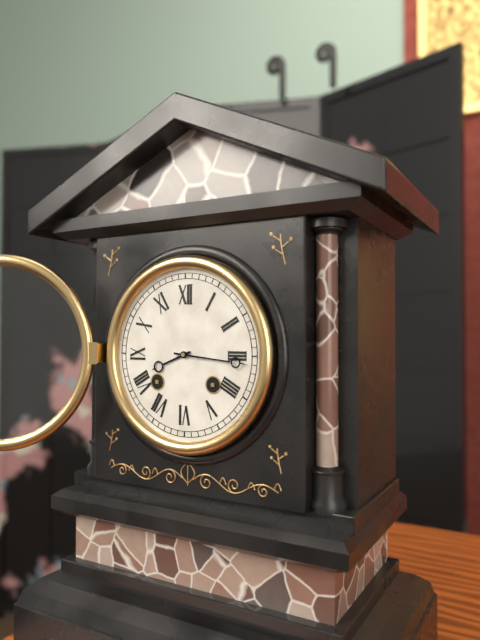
8:16
